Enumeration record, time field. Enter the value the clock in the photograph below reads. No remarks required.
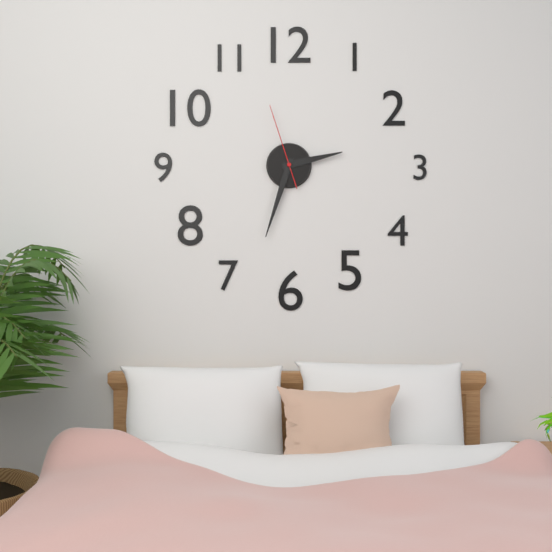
2:33:57
